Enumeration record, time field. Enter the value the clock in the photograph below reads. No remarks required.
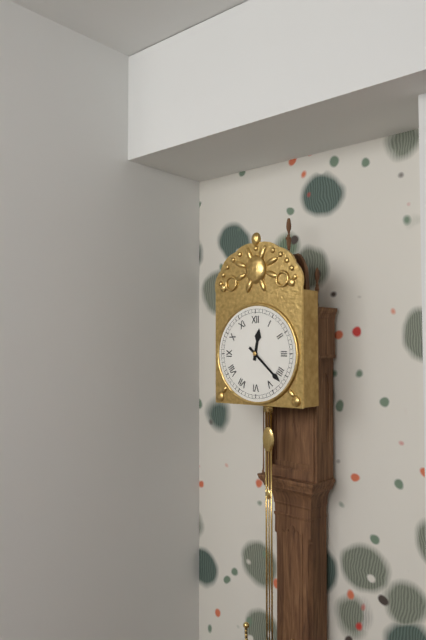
12:22
